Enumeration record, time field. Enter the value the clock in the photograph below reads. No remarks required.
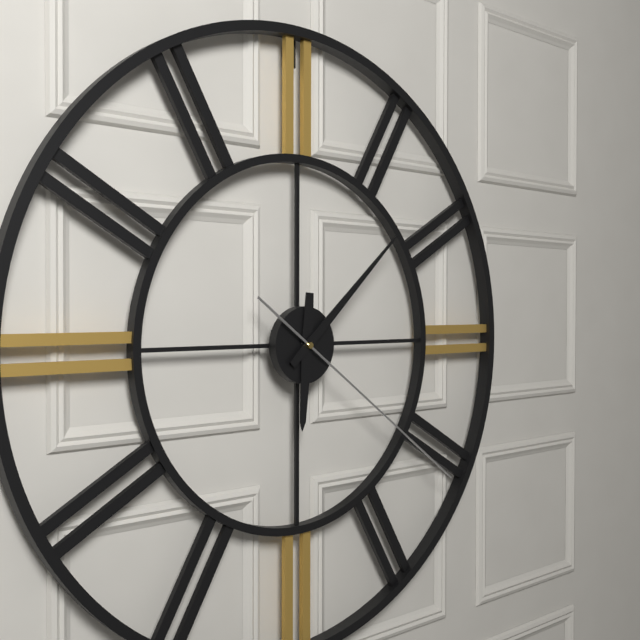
6:08:21
